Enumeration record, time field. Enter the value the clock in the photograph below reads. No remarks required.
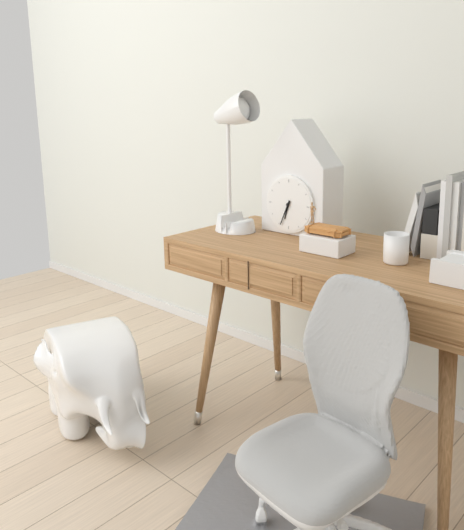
6:34
